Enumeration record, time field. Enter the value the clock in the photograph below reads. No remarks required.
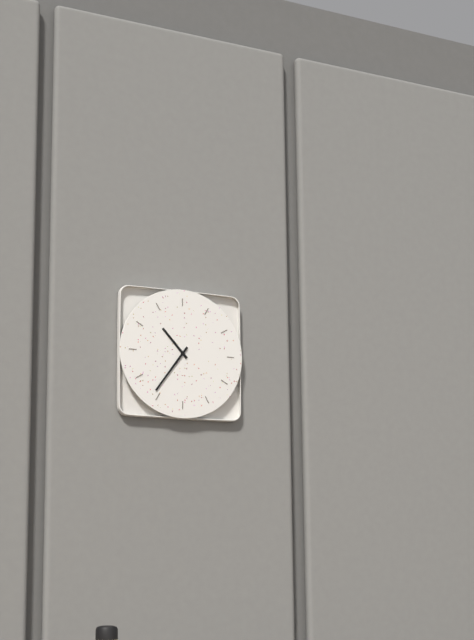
10:36
